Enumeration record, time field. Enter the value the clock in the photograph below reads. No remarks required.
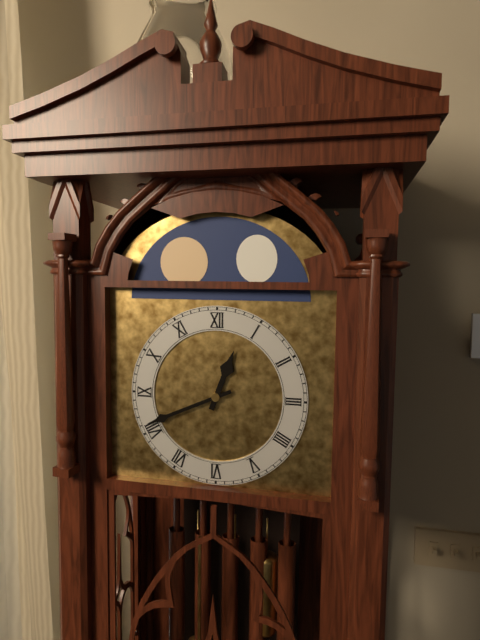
12:41
